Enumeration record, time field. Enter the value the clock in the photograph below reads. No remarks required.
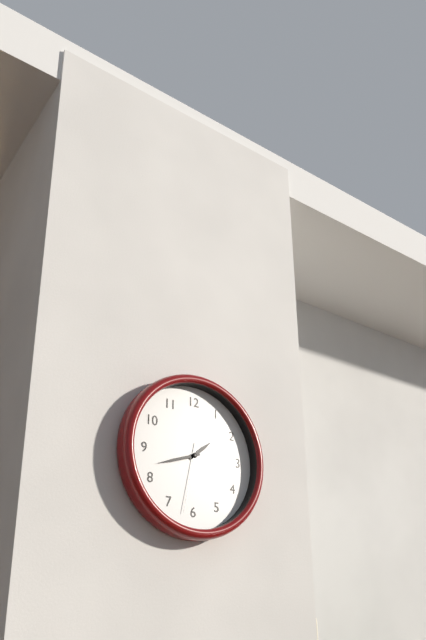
1:42:32
